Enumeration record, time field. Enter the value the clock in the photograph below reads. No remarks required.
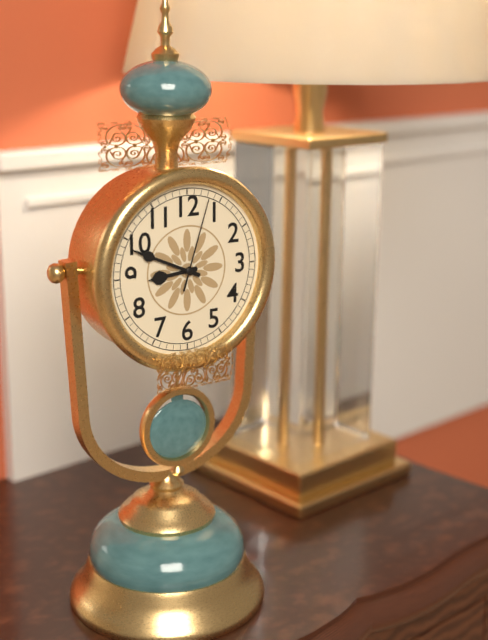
8:49:03
